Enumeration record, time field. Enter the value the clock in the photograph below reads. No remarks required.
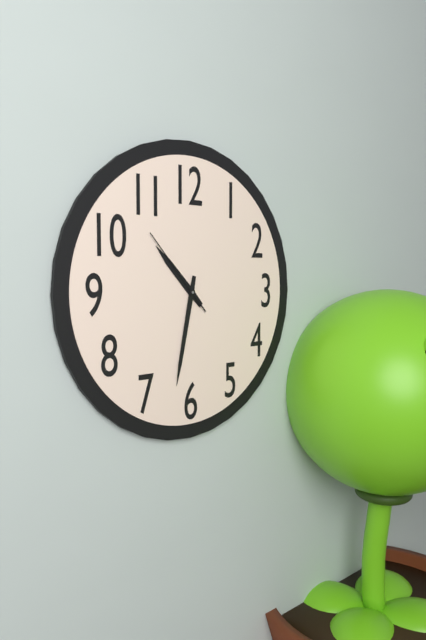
10:32:53
